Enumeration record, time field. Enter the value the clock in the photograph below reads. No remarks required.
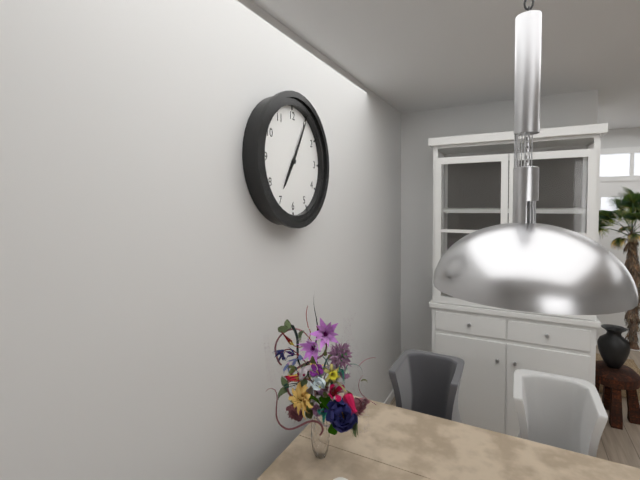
7:05
